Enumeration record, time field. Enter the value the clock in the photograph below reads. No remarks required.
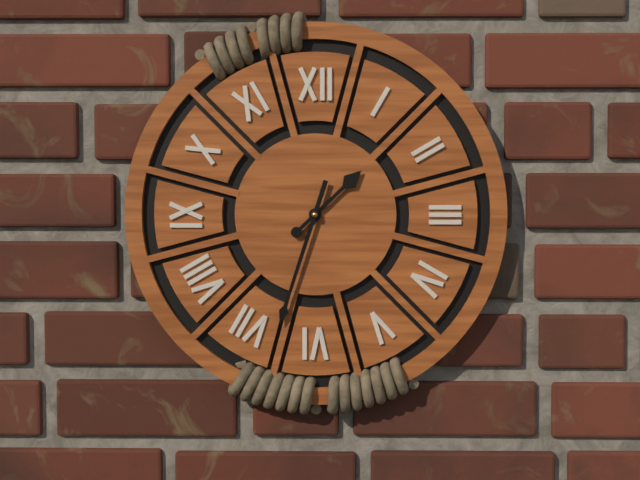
1:33
